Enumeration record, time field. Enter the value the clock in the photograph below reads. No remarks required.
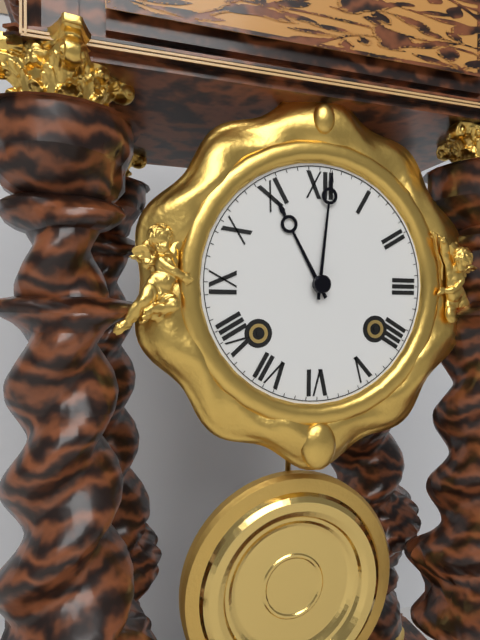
11:01
